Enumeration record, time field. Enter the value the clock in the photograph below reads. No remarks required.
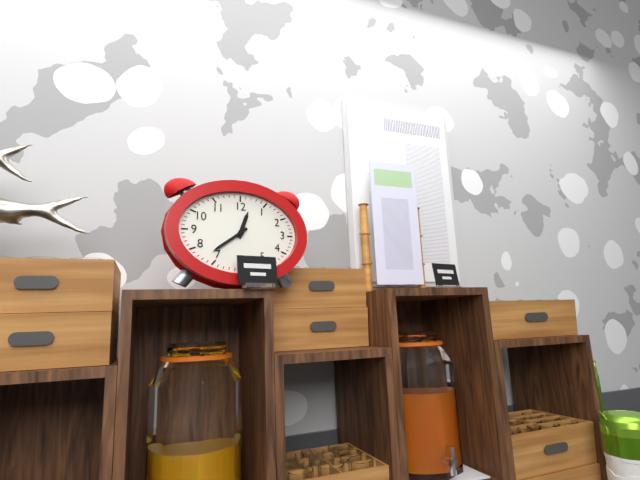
12:39
